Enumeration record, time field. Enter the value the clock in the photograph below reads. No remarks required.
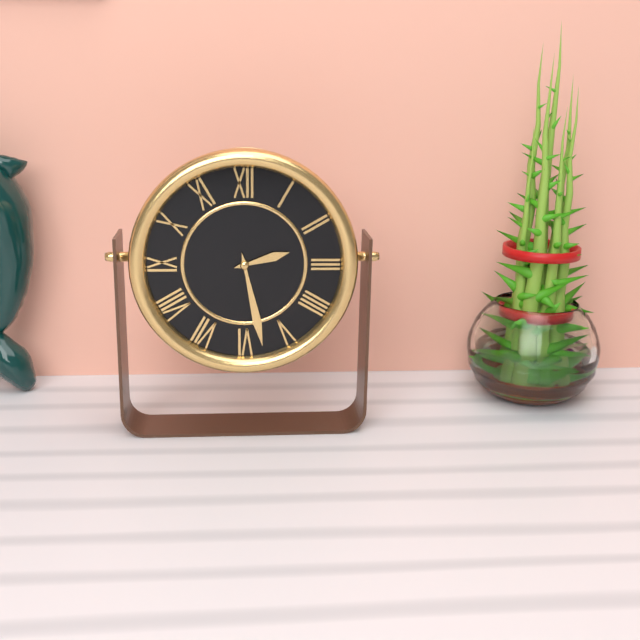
2:28
